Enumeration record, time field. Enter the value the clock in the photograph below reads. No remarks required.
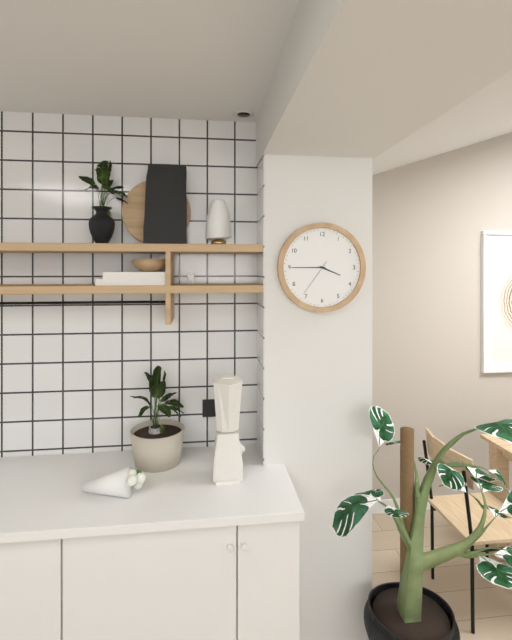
3:45
